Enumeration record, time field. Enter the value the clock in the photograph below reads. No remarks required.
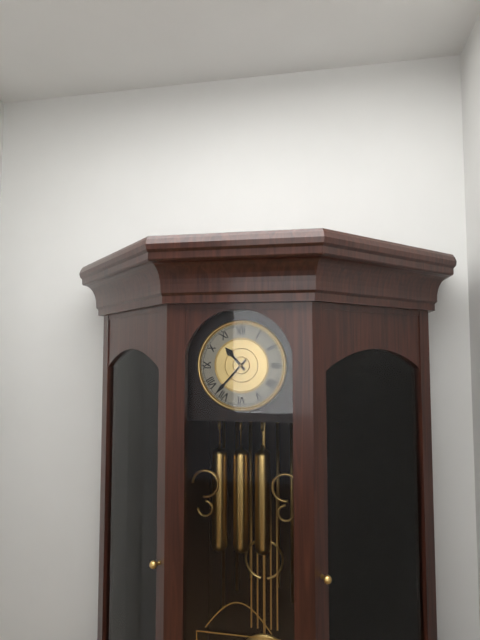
10:37
